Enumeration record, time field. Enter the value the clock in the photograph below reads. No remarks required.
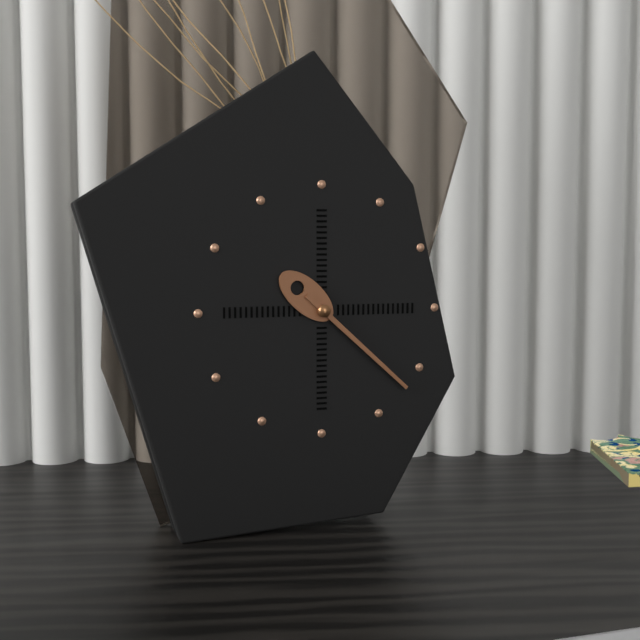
10:22
